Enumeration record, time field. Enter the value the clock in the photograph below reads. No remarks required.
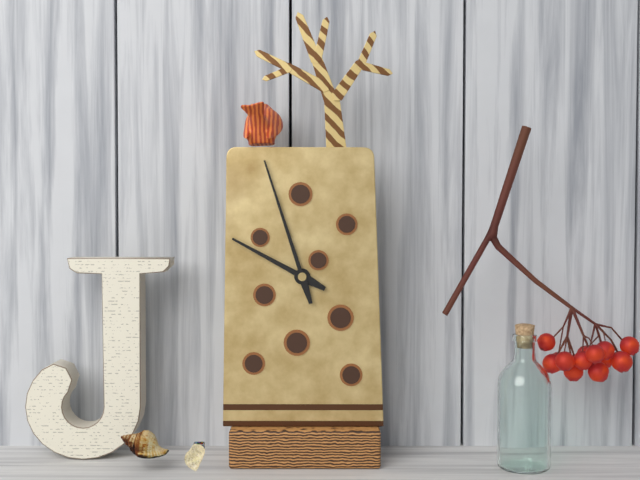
9:57
